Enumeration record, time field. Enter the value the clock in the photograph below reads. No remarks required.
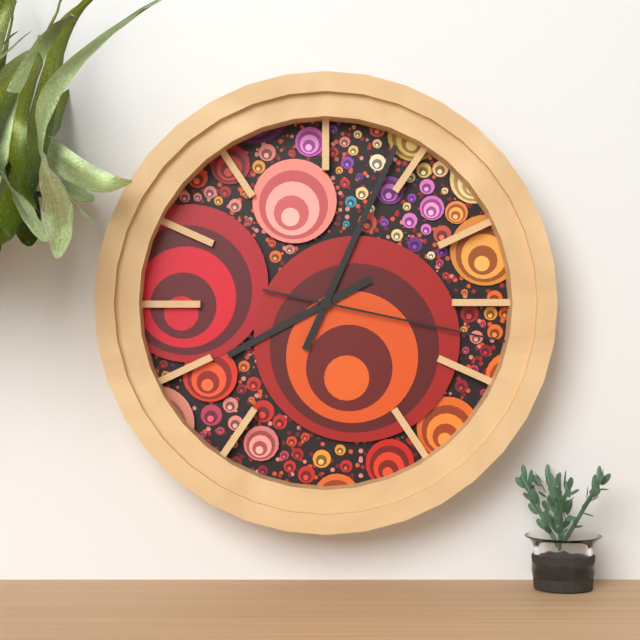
8:04:17
